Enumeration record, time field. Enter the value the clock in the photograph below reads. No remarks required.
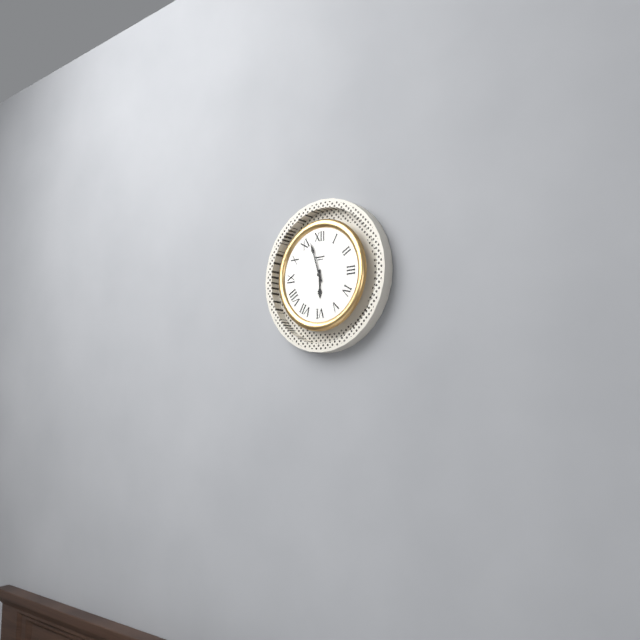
5:57
